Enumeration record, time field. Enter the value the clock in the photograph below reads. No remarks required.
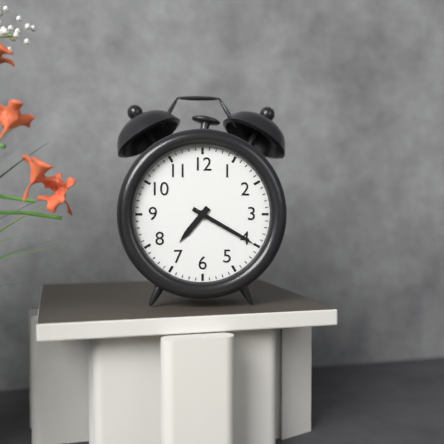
7:20
